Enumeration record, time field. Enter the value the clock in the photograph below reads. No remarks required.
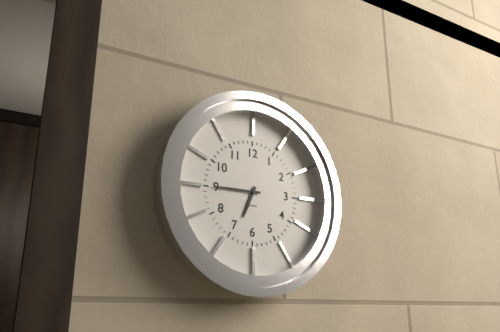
6:45
